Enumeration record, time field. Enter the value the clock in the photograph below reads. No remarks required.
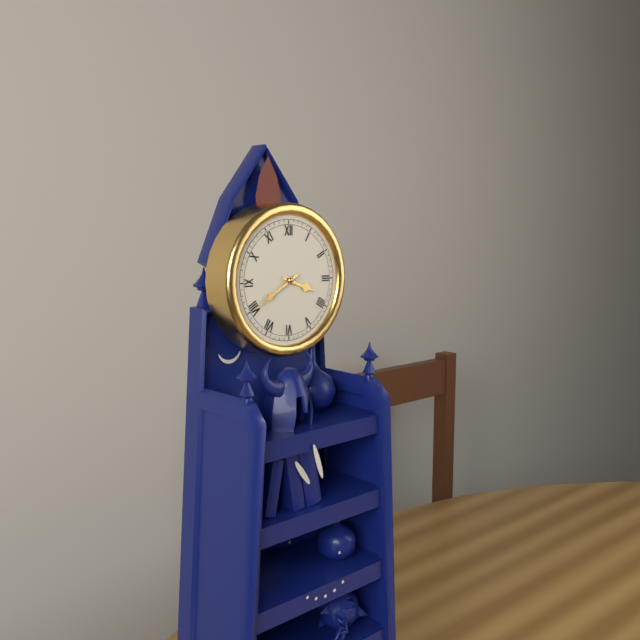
3:40
